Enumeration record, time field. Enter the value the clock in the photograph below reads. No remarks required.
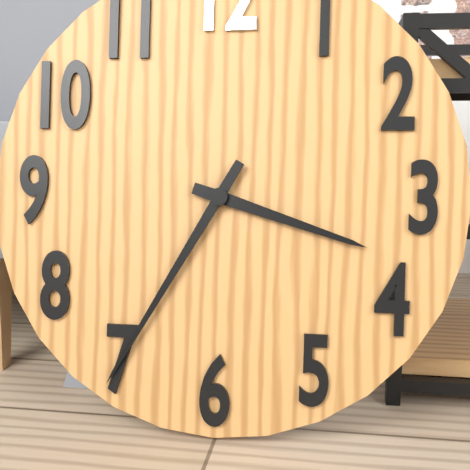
3:35
